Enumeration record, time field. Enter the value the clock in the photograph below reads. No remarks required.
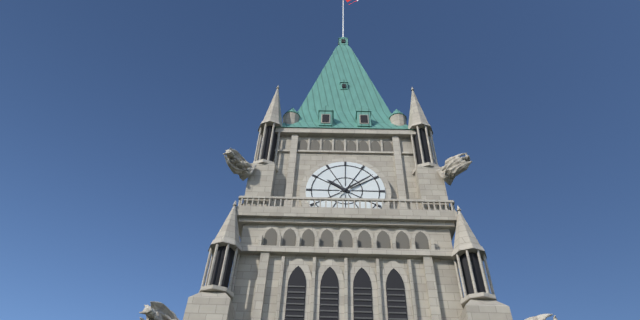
10:09
